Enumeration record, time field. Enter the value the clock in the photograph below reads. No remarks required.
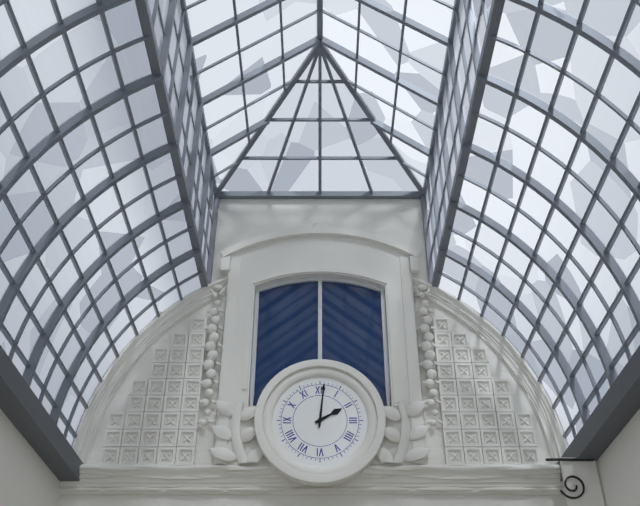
2:01
